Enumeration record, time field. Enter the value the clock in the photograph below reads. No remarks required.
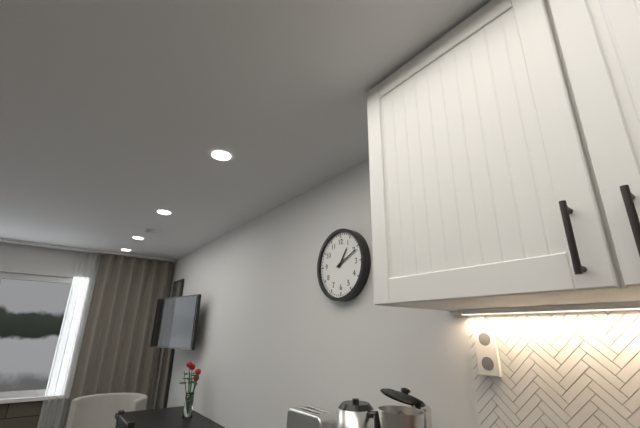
1:11
